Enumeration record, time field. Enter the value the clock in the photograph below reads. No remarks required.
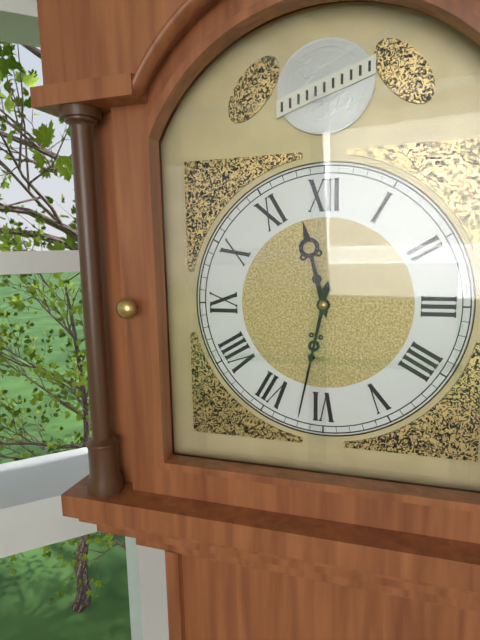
11:32
